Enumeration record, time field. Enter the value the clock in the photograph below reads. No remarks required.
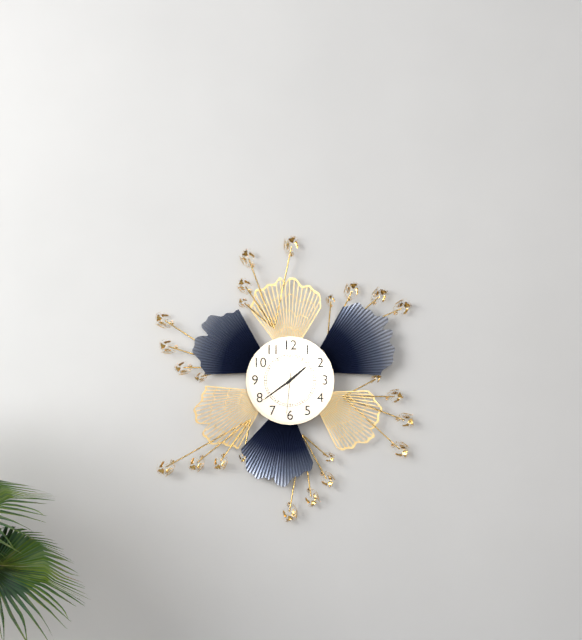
1:39
